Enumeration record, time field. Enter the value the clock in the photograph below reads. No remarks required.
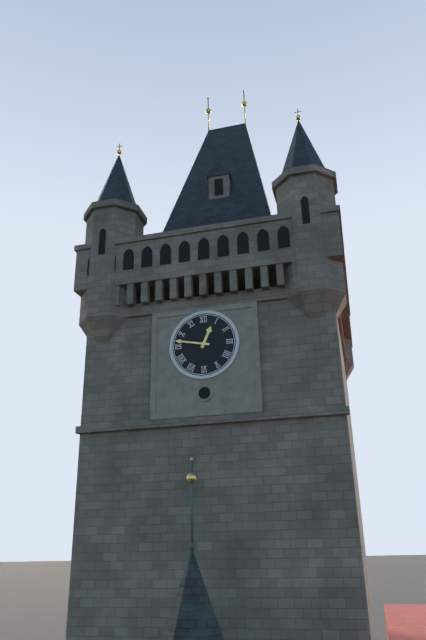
12:47
